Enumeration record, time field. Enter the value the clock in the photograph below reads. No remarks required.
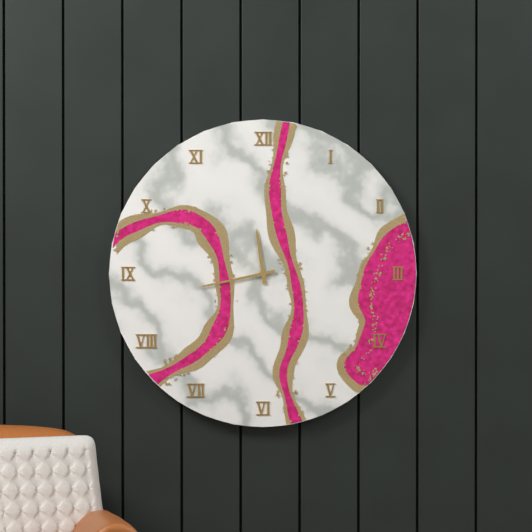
11:43
